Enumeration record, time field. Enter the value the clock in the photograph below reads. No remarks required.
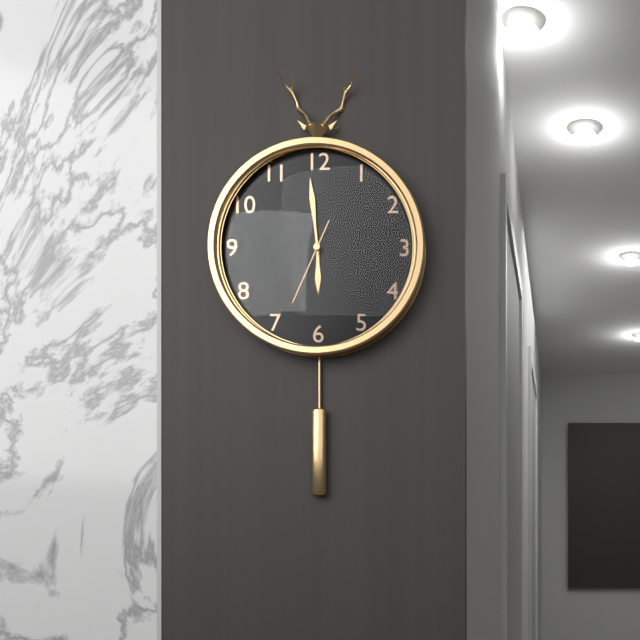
5:59:34
